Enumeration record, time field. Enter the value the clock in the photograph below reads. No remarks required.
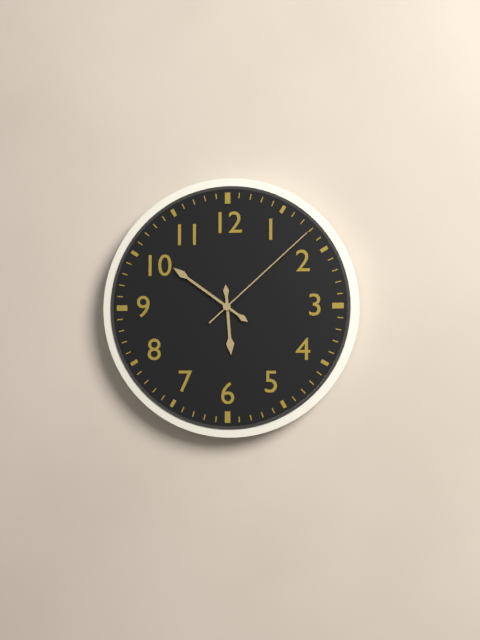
5:51:08
